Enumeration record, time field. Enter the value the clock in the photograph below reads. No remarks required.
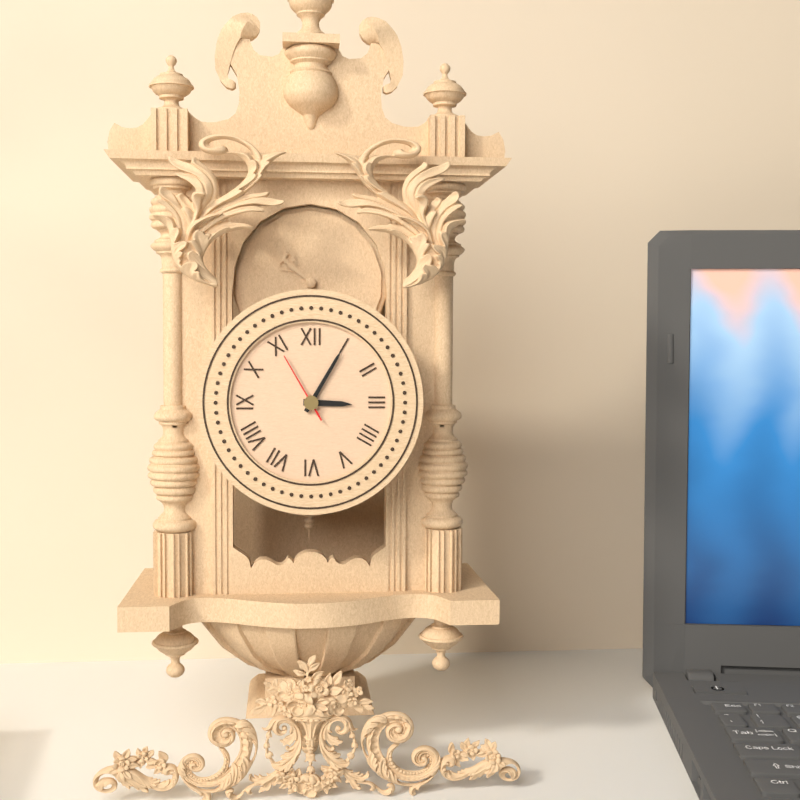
3:05:55
